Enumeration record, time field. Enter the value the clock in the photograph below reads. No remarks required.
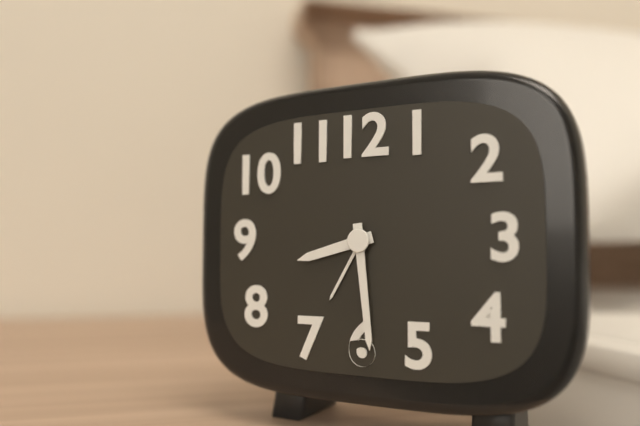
8:29
